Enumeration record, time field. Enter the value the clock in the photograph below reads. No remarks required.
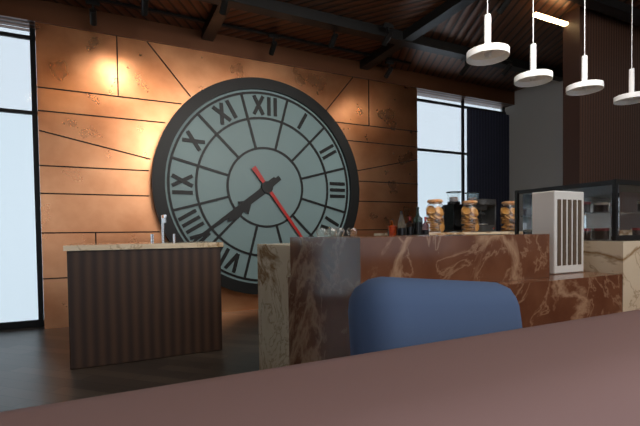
7:39
